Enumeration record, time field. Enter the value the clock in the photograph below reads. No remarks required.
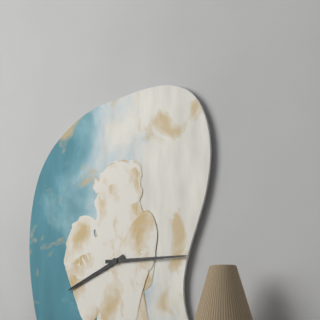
8:15
